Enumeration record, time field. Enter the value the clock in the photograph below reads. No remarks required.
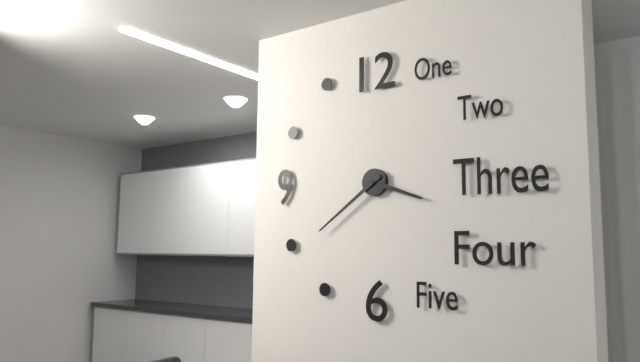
3:39
